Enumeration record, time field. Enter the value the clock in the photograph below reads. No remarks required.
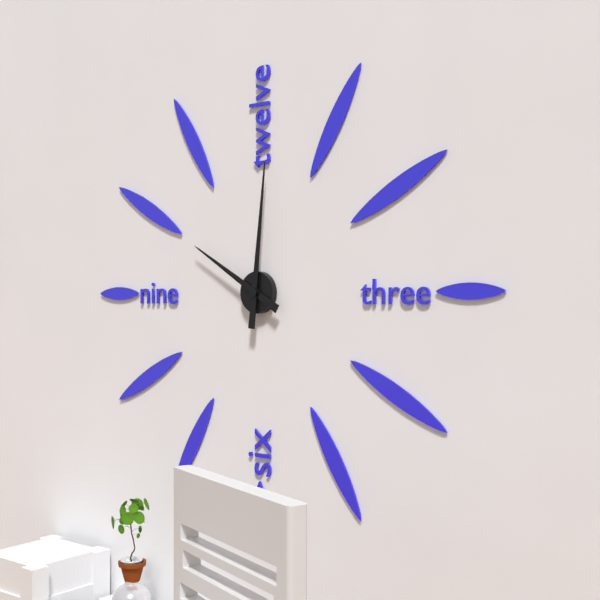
10:01
